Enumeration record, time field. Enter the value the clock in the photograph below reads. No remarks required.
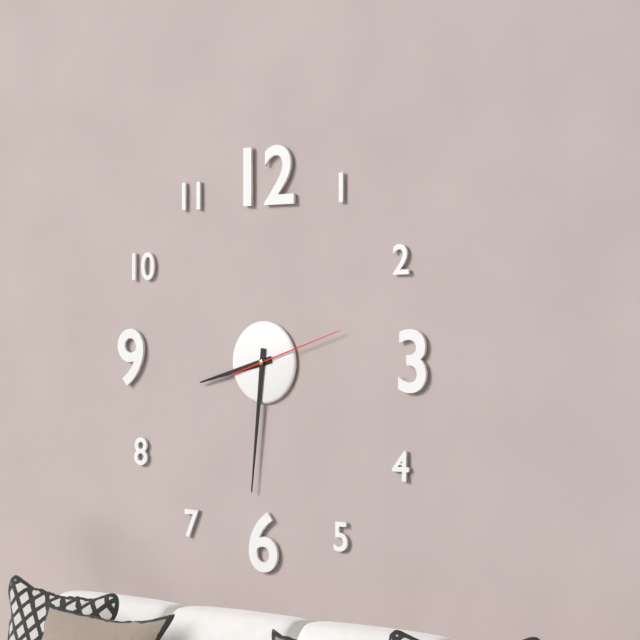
8:31:12
